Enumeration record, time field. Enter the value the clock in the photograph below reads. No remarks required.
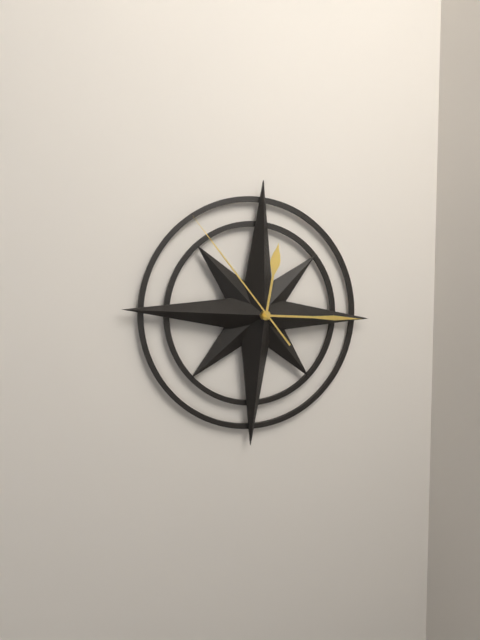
12:15:53
